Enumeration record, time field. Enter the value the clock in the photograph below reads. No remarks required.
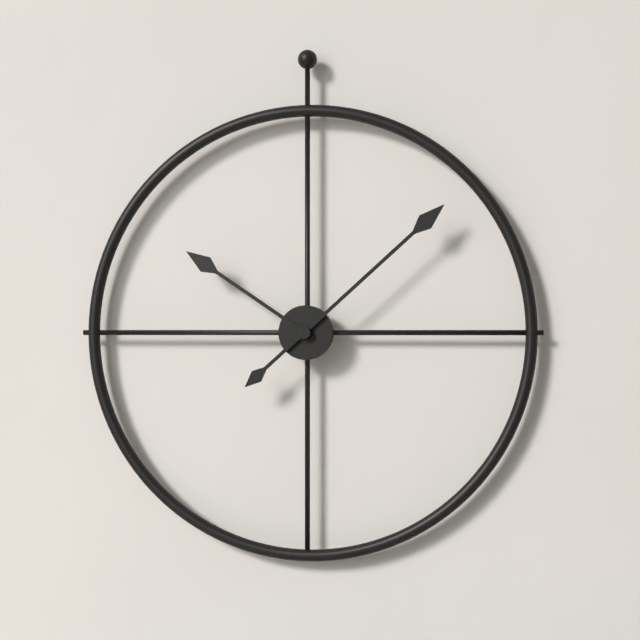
10:08
